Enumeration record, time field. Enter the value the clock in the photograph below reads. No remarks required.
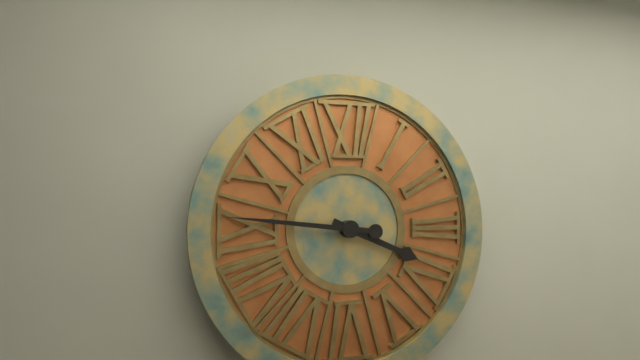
3:46
